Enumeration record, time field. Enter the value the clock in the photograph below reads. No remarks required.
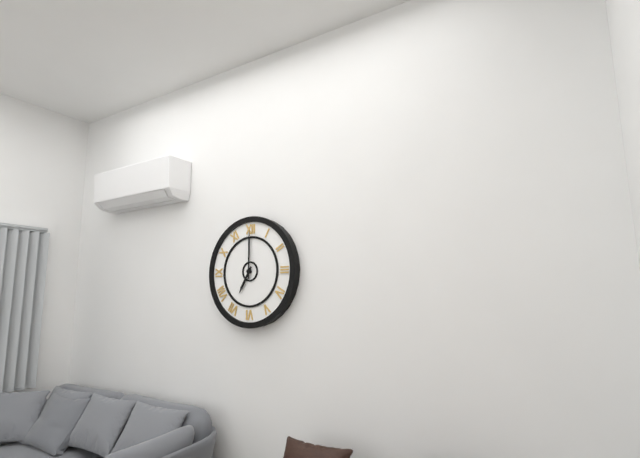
7:00
